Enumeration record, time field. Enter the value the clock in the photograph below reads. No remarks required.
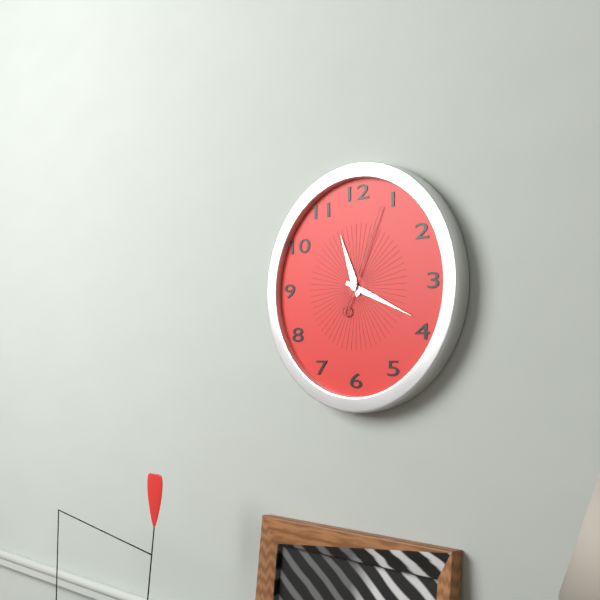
11:19:04
